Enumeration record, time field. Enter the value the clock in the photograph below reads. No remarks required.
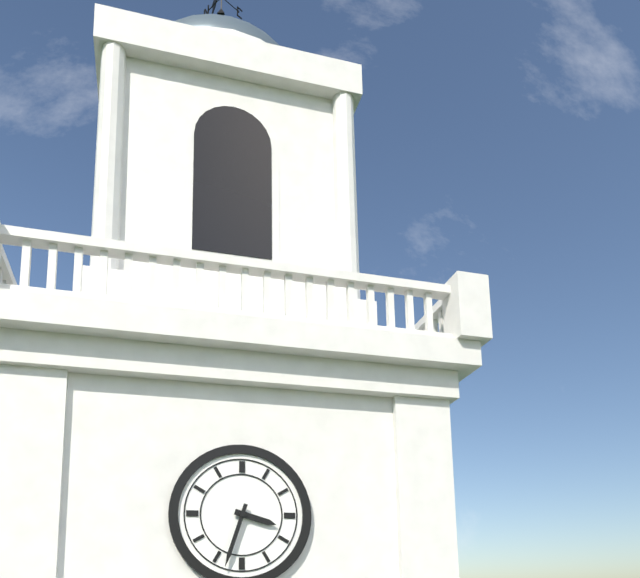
3:33
